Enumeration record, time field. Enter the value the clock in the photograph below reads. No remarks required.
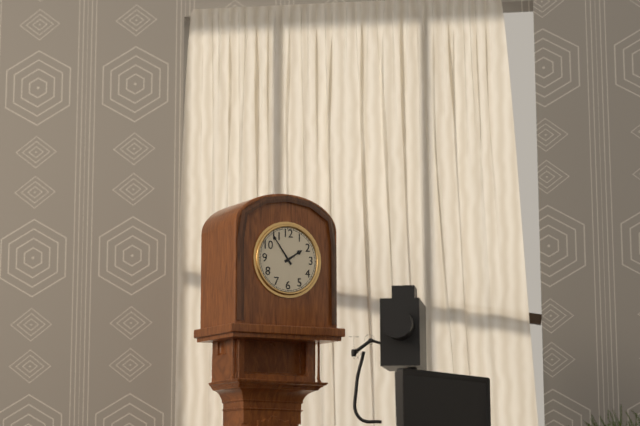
1:54
